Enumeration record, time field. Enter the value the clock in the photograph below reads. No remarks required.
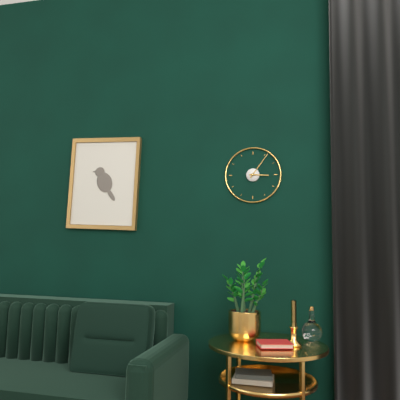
3:06
